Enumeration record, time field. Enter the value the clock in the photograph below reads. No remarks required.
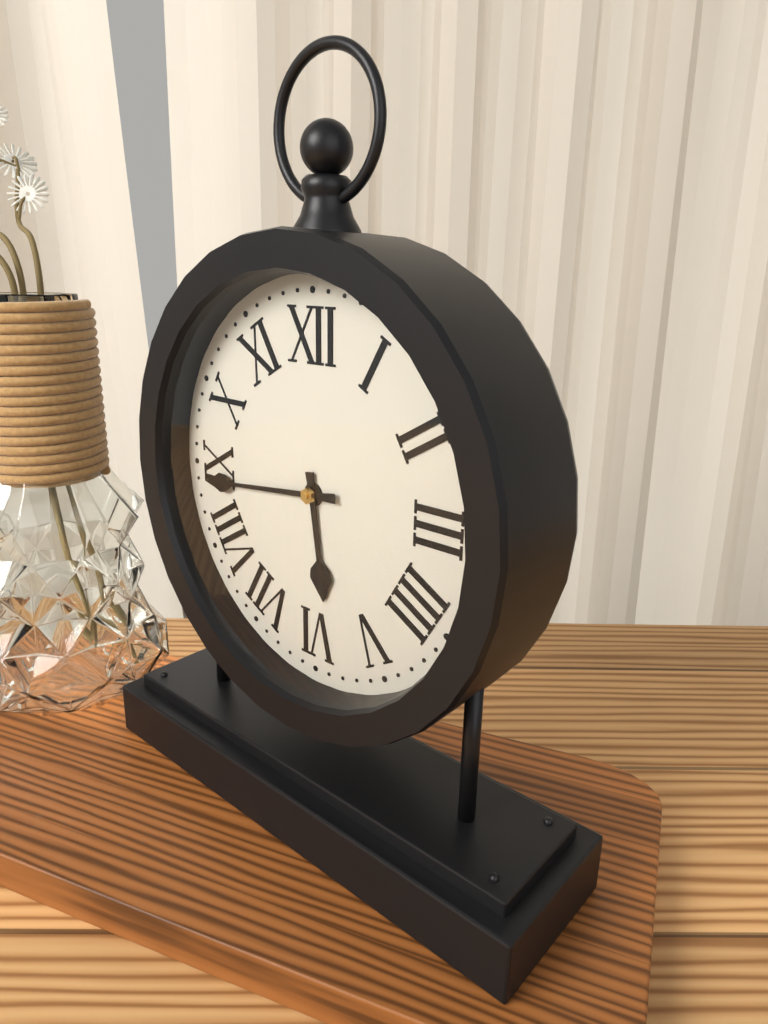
5:44
